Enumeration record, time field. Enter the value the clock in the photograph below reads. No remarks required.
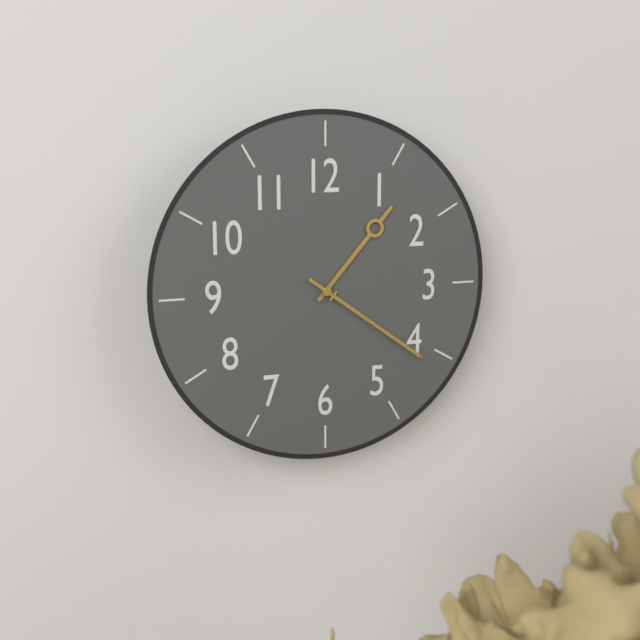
1:21
